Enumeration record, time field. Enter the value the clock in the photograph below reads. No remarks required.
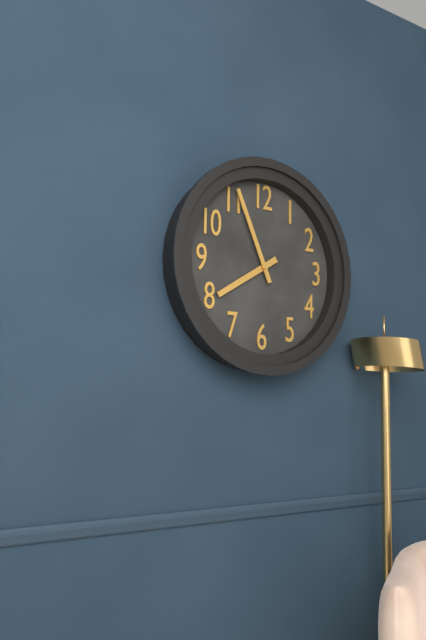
7:56
